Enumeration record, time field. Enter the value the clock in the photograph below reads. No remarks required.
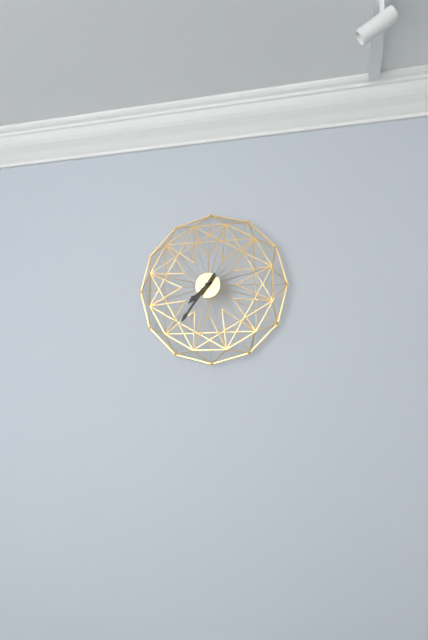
7:36
